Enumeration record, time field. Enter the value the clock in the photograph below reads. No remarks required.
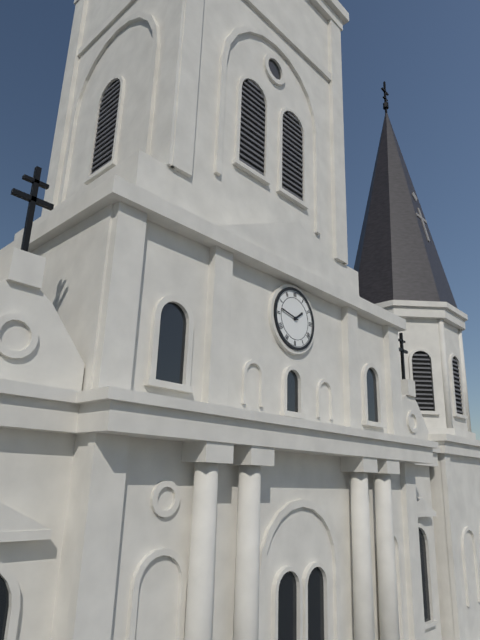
1:47
